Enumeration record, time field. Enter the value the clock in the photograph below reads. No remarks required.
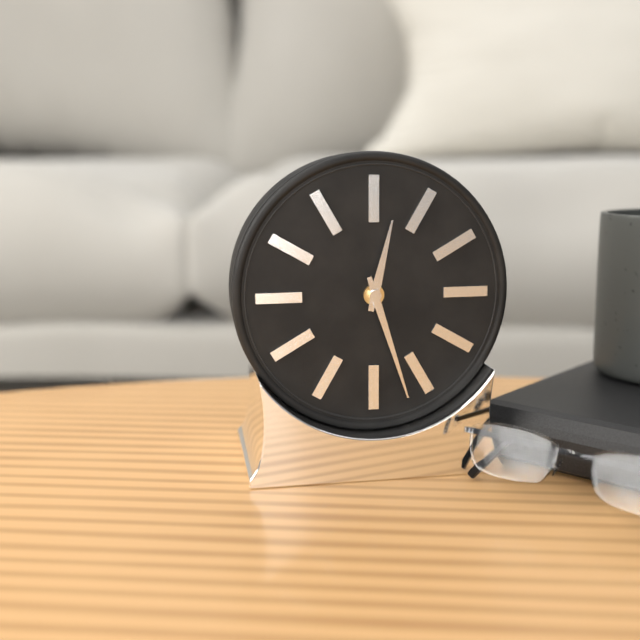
12:27
